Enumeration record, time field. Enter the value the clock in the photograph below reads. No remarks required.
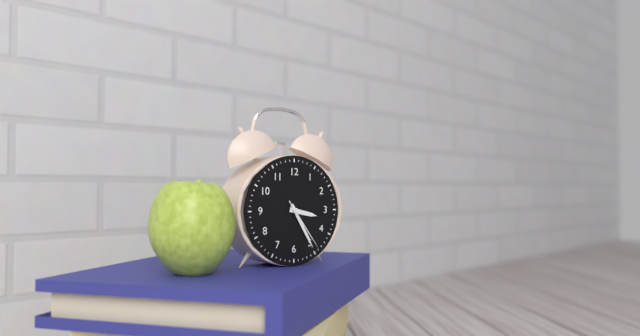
3:25:24
